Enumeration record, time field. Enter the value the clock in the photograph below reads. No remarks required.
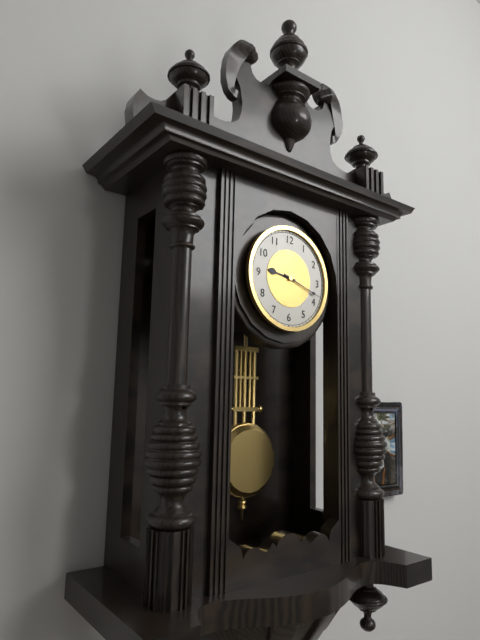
9:18
